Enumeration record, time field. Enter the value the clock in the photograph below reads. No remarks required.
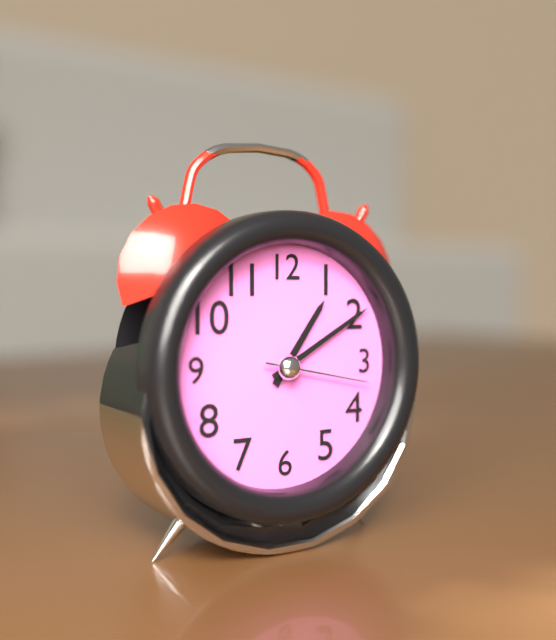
1:10:17
